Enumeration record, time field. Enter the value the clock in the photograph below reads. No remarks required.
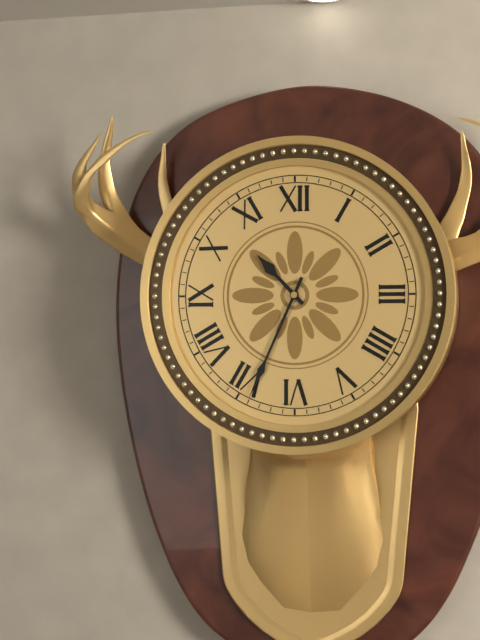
10:34
